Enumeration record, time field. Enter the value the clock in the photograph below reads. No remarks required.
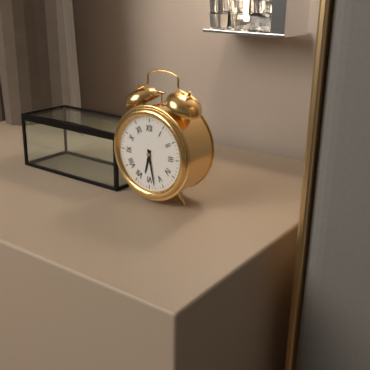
6:28
